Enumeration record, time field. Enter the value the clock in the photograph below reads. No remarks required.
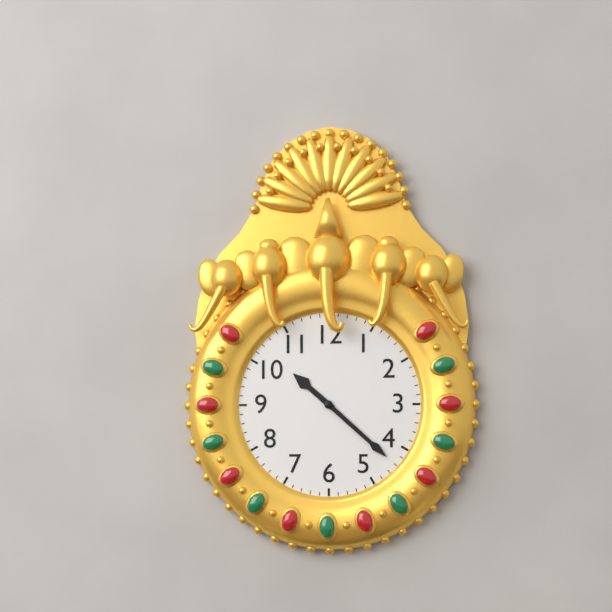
10:22
